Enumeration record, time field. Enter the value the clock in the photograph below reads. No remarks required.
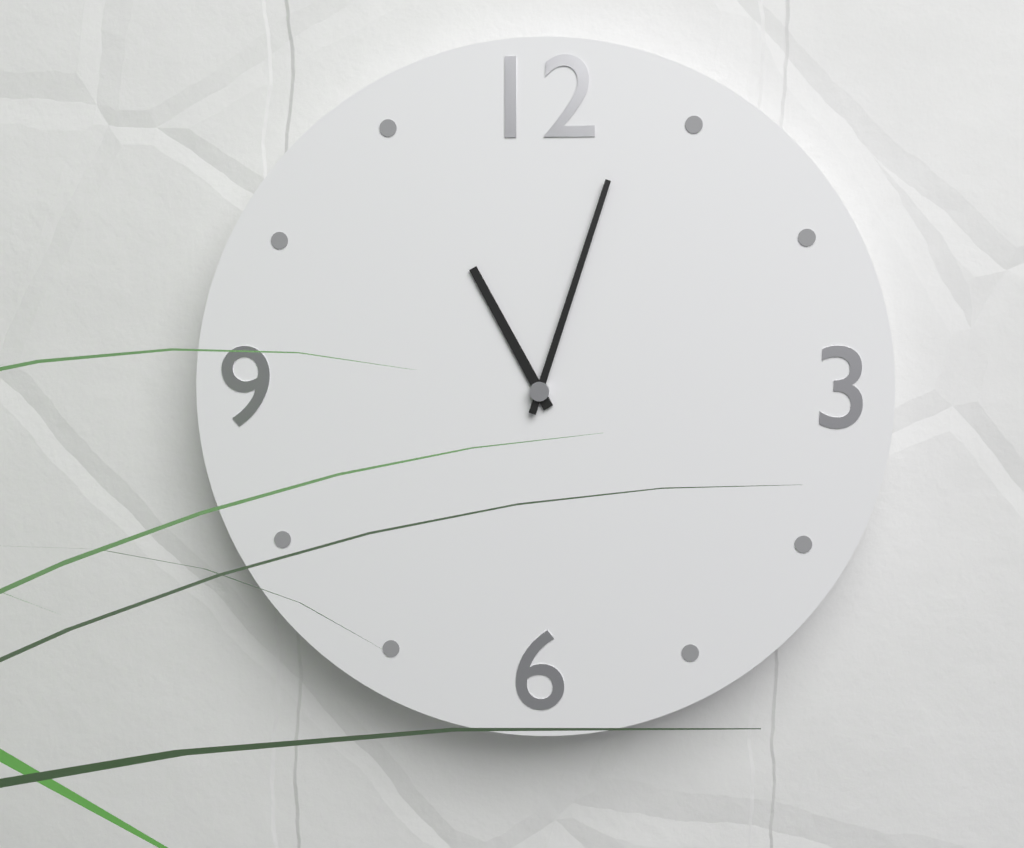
11:03
